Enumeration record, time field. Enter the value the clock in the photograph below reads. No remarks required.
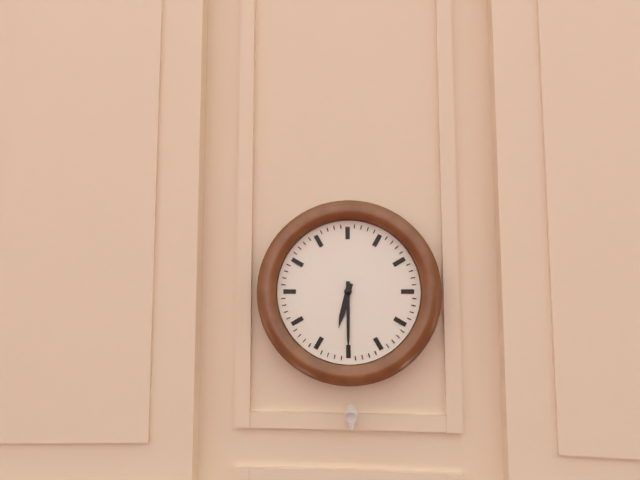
6:30
